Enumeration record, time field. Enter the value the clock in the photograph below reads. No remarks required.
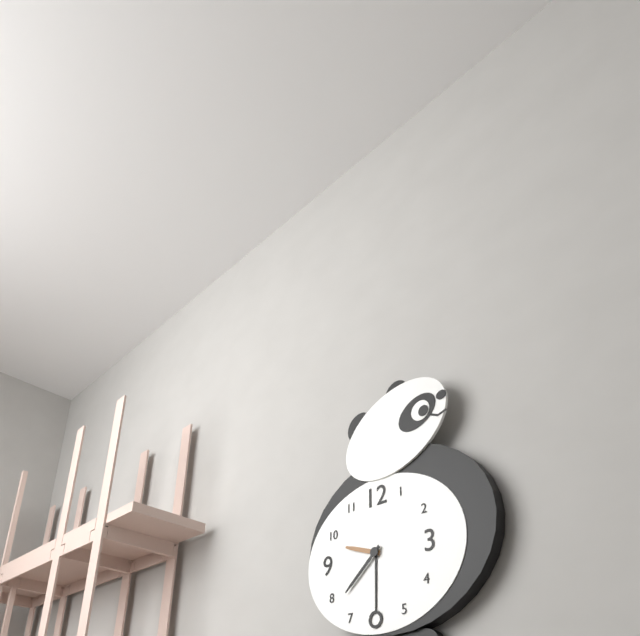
9:38
